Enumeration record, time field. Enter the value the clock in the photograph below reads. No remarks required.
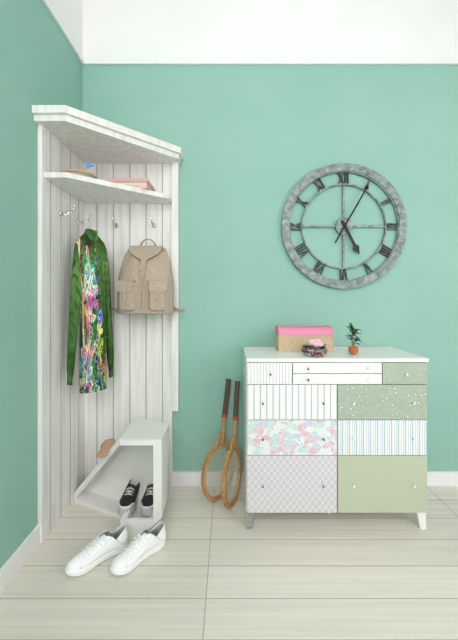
5:05
